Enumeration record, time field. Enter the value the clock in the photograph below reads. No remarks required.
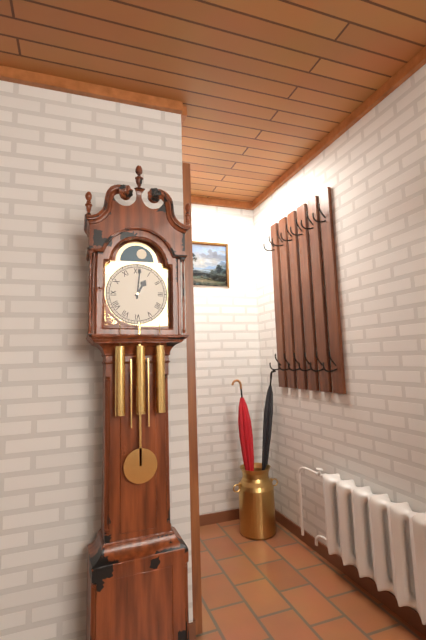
1:01
